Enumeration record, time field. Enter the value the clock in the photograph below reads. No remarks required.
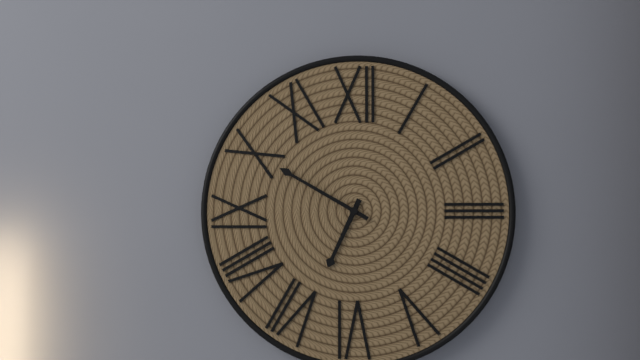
6:50
